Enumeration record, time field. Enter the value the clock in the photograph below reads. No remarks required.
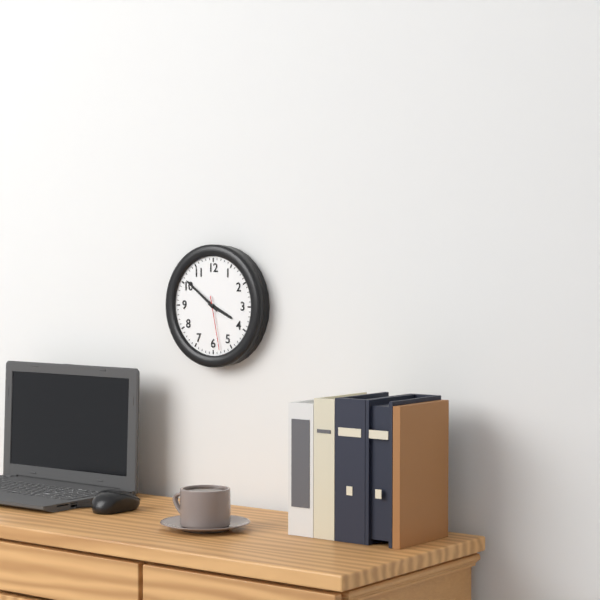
3:51:28
